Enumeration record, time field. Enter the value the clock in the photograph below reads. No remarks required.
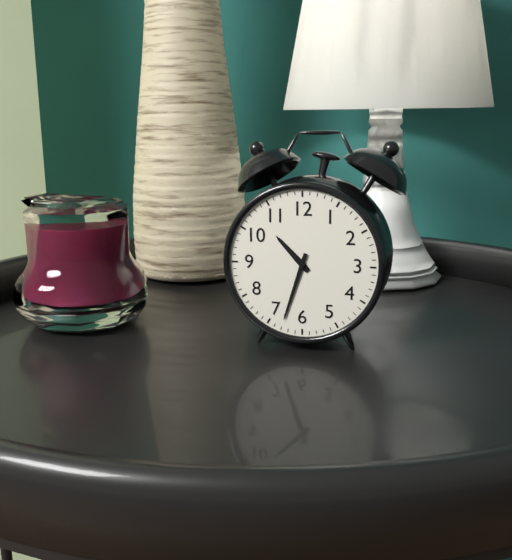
10:33
